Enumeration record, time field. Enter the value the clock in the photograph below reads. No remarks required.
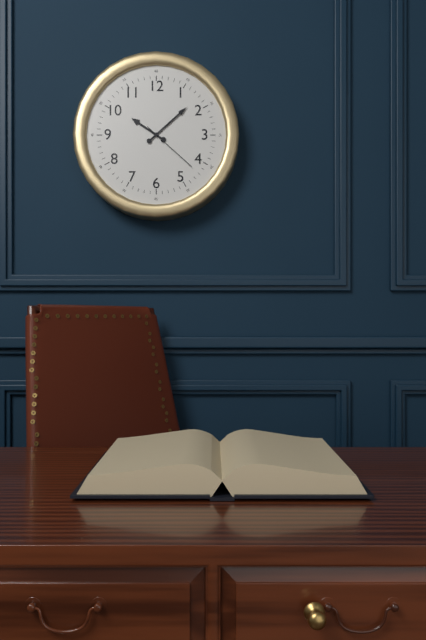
10:08:22
